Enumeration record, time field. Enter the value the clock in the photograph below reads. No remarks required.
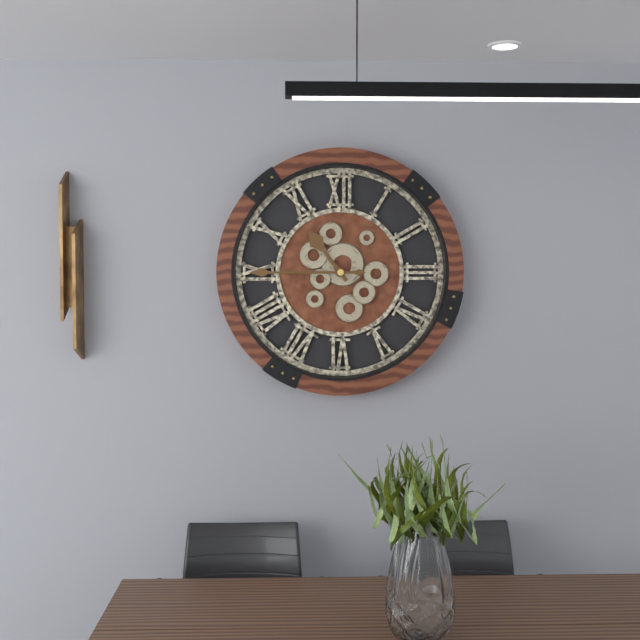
10:45
